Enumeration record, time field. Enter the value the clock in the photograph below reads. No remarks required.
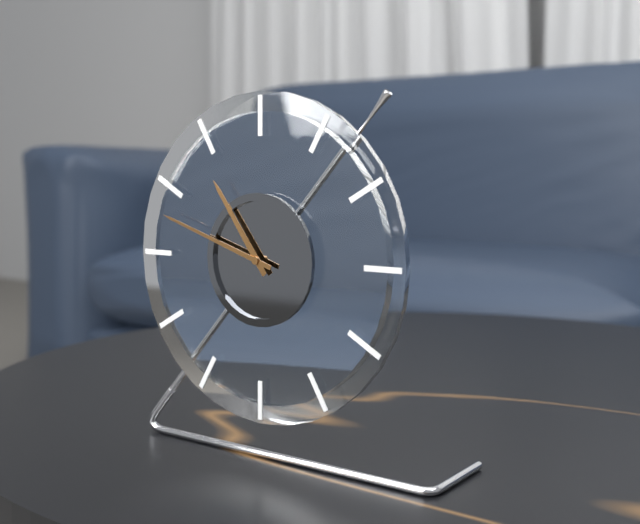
10:48
